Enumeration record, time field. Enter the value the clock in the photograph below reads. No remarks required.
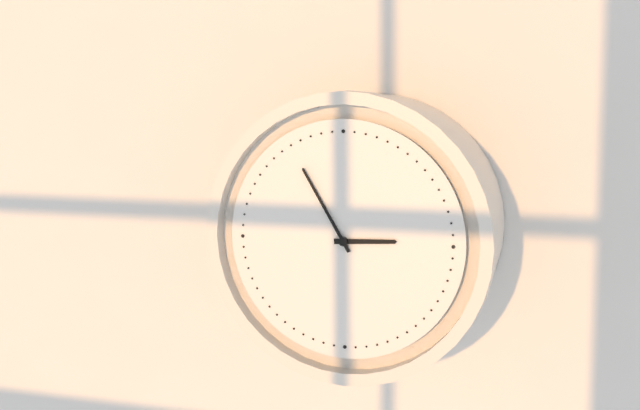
2:55
